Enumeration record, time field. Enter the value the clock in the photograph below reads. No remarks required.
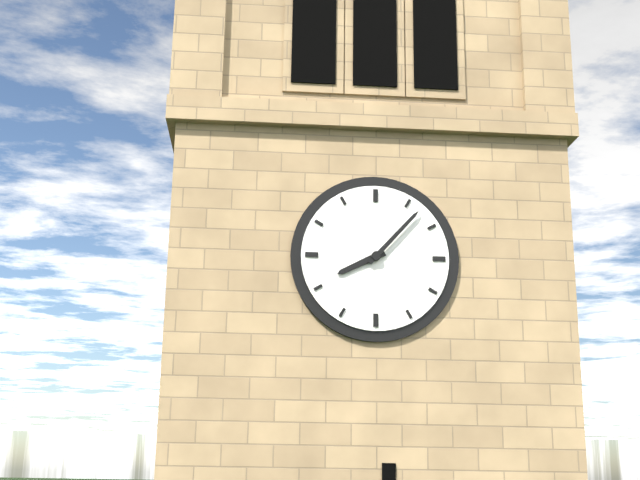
8:07
